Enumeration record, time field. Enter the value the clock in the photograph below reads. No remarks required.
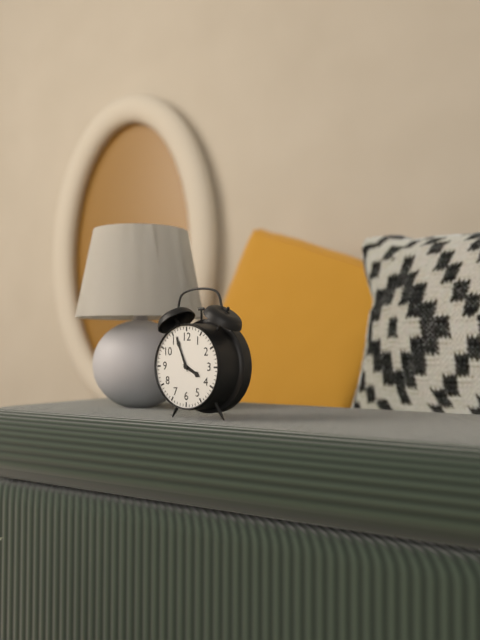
3:56
